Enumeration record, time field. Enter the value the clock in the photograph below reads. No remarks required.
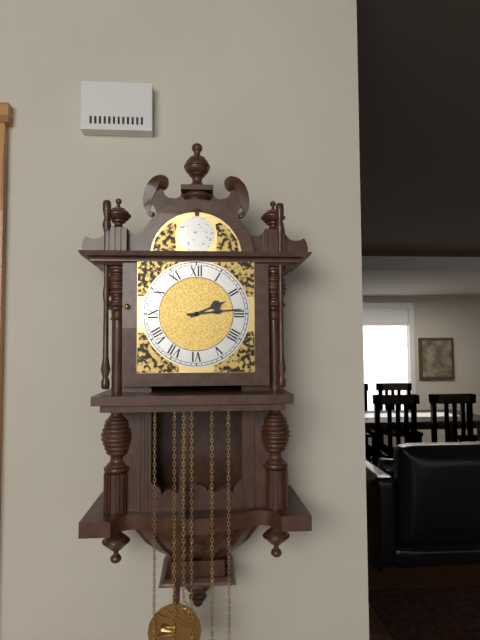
2:14
